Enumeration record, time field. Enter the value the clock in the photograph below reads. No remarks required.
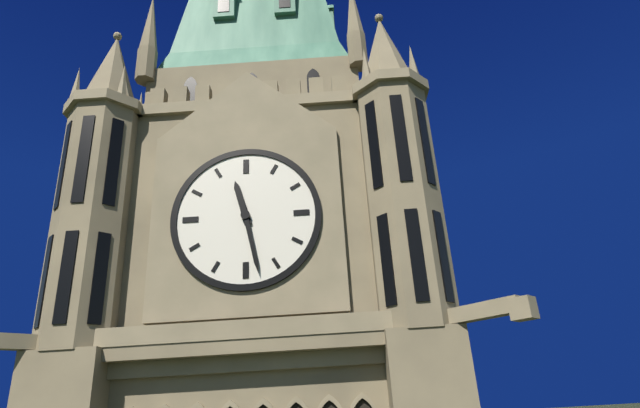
11:28
